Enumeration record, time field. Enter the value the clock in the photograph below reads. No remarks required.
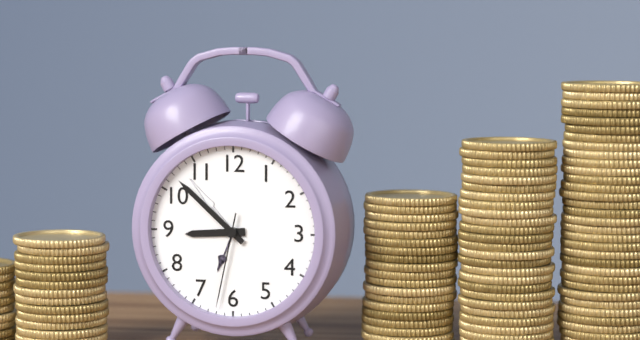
8:52:32
